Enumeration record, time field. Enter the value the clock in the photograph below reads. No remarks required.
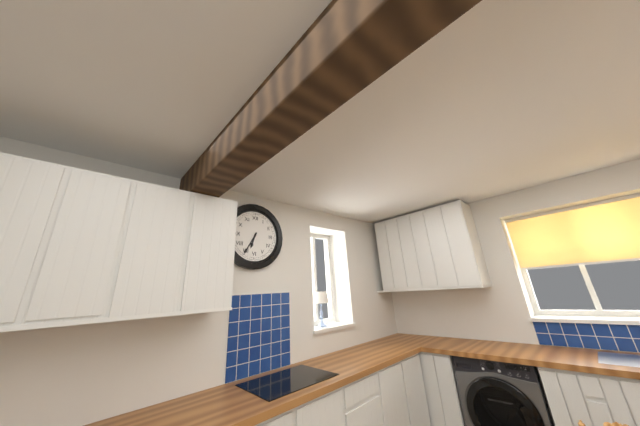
6:35
